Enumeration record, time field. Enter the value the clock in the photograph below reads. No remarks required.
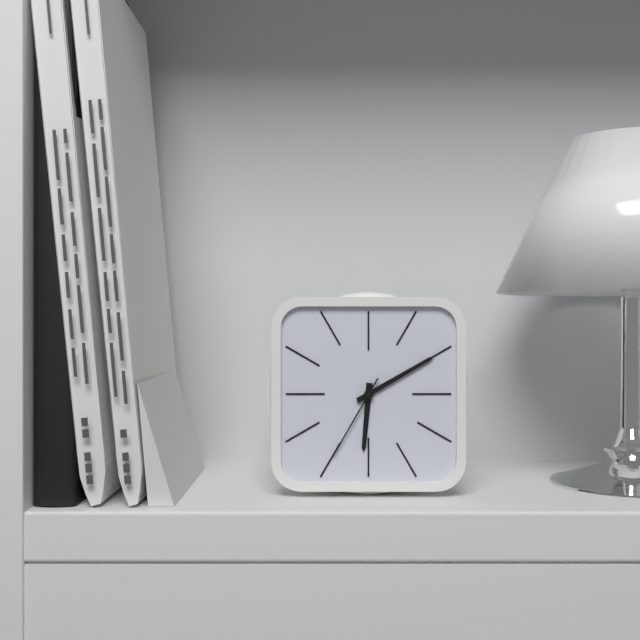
6:10:35
